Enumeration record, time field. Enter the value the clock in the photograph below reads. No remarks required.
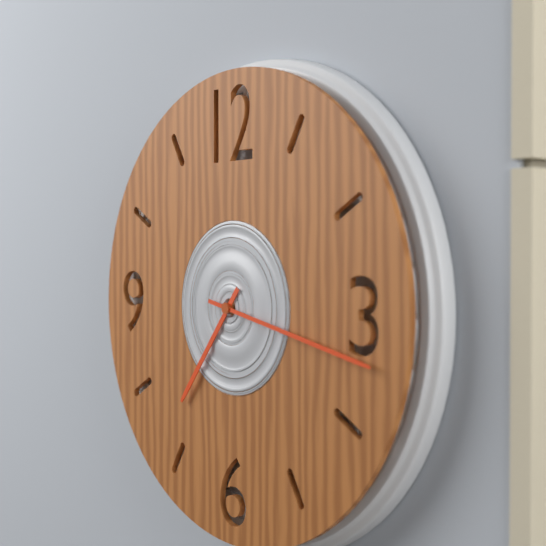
7:17
